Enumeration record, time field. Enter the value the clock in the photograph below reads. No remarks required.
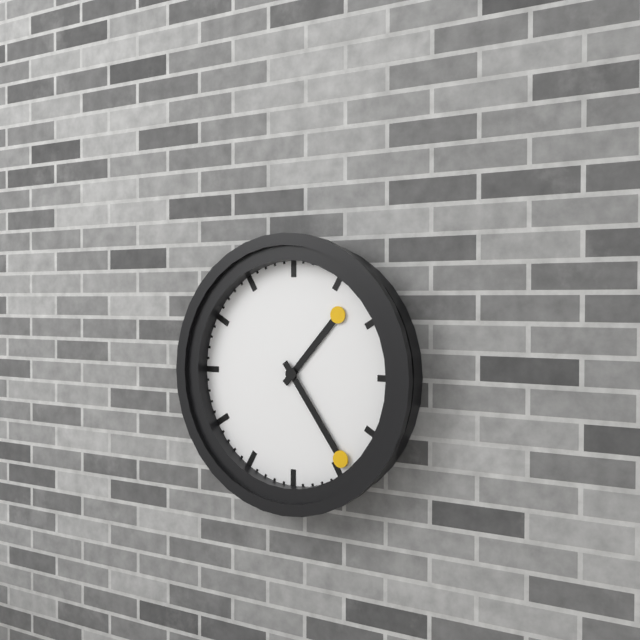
1:24
